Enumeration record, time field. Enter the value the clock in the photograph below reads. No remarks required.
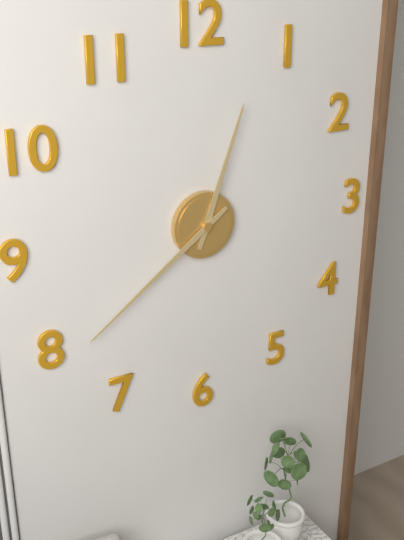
12:39
